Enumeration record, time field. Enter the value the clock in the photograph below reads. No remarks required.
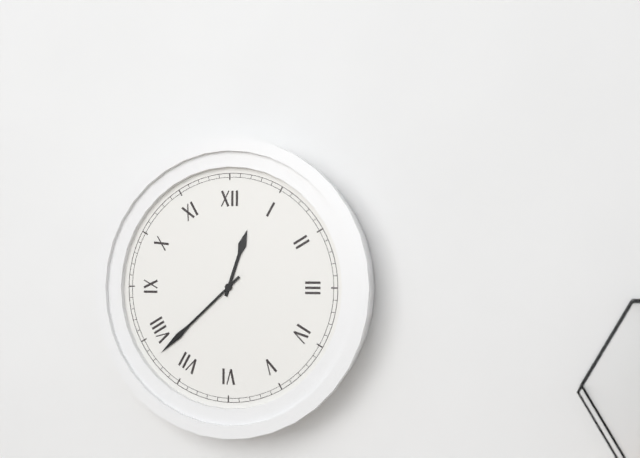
12:38
